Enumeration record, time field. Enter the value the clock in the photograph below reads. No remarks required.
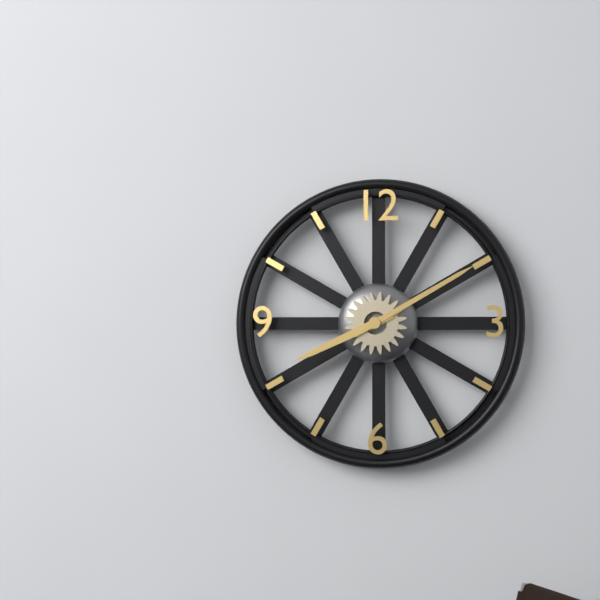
8:10
